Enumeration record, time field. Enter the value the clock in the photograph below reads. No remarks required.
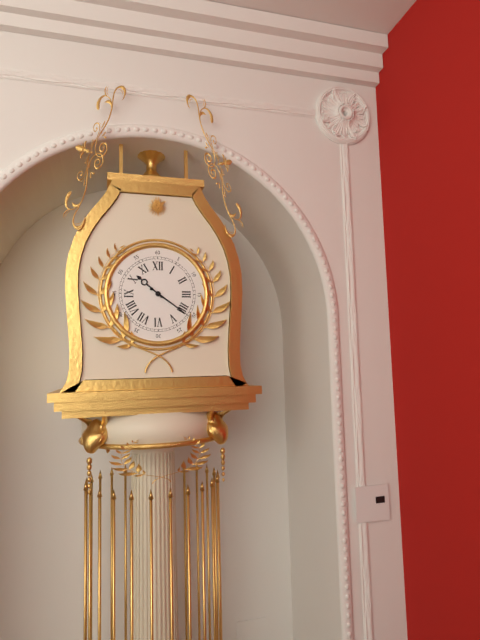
10:21
